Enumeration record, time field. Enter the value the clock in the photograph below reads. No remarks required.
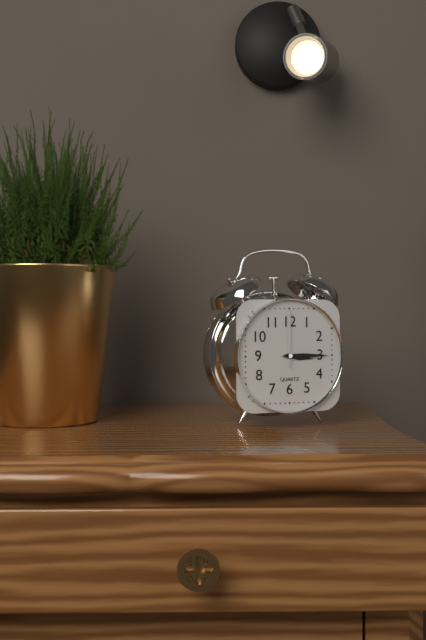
3:15:00
